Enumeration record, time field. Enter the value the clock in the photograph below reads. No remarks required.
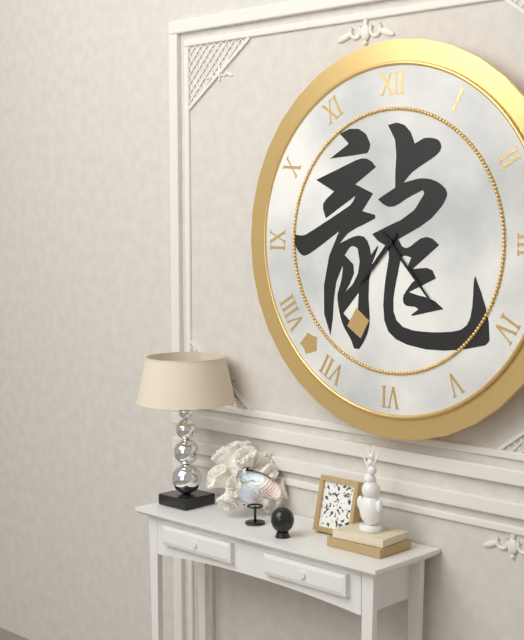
7:23
